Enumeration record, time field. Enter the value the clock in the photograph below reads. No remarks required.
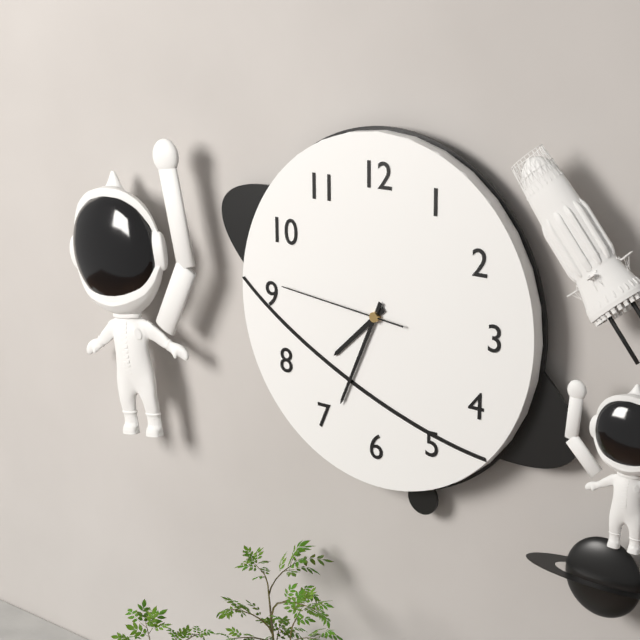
7:34:46
